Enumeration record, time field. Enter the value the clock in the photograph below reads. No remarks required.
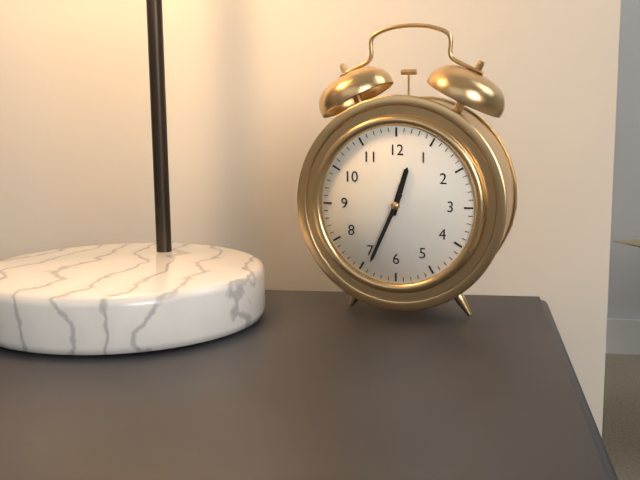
12:34
